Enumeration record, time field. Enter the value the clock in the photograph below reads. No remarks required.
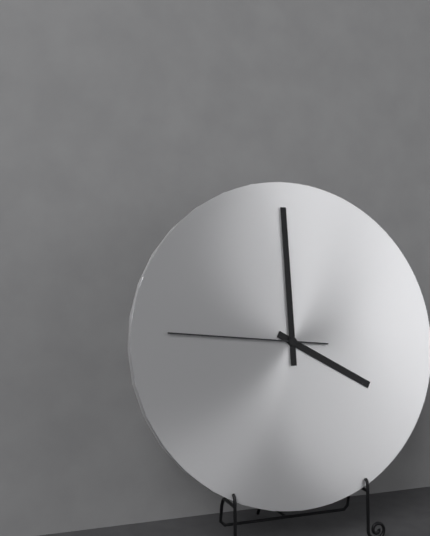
4:00:46
